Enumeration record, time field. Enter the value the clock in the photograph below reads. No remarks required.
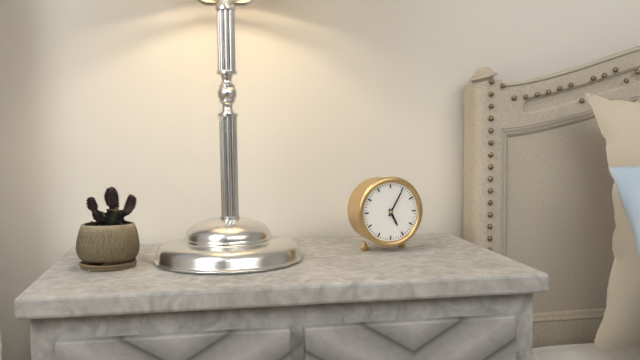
5:05
